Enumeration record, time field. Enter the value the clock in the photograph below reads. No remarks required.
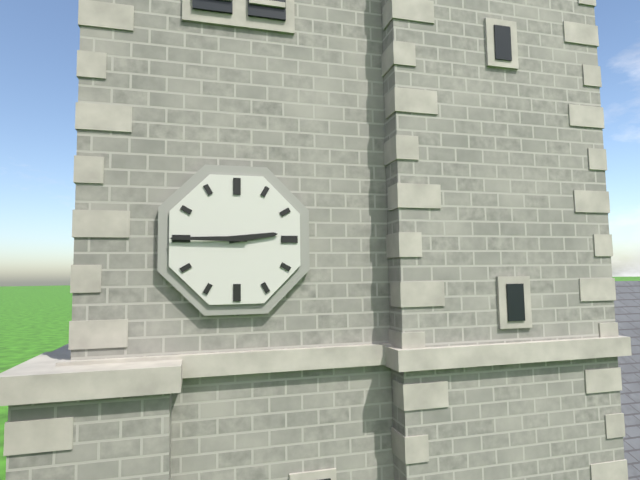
2:45
